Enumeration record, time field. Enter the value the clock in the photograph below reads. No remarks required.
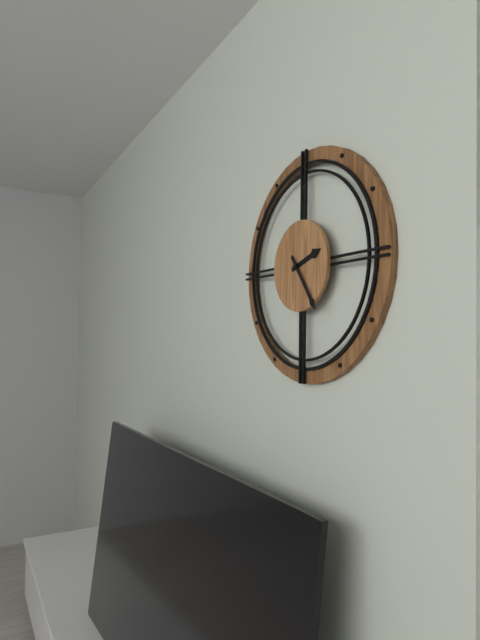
2:24
